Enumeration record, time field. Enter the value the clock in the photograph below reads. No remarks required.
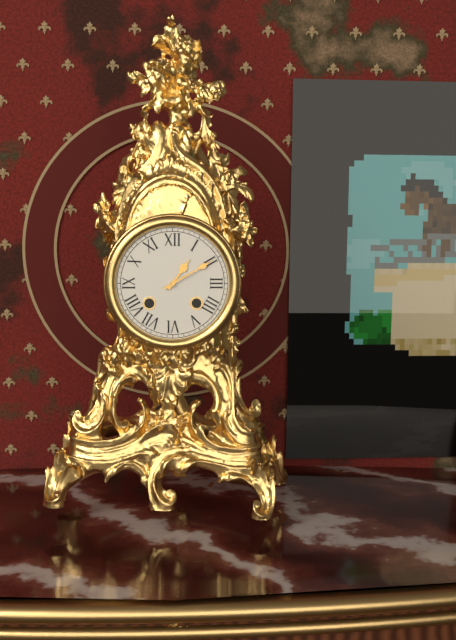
1:10
